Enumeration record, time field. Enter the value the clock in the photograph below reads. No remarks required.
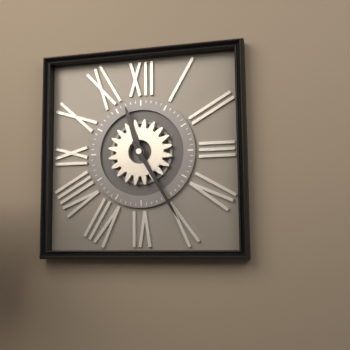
11:25
